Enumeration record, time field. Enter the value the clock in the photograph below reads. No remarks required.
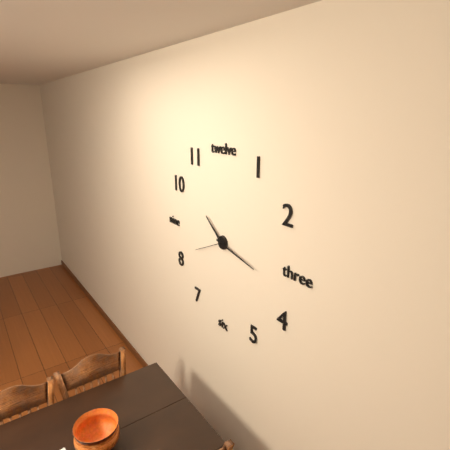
10:17
